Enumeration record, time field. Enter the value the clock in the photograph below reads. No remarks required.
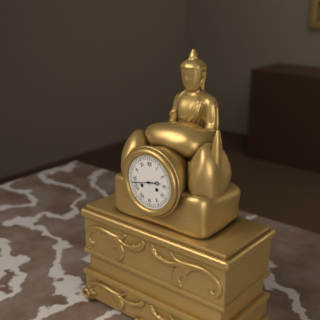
2:43
